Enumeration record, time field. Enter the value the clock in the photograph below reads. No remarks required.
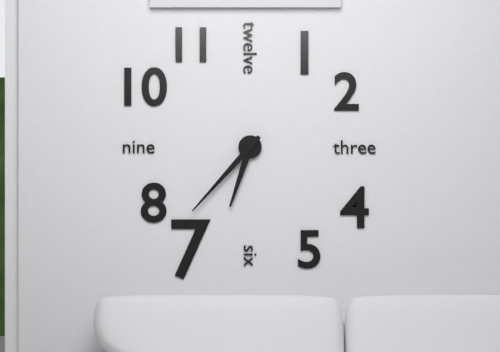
6:37
